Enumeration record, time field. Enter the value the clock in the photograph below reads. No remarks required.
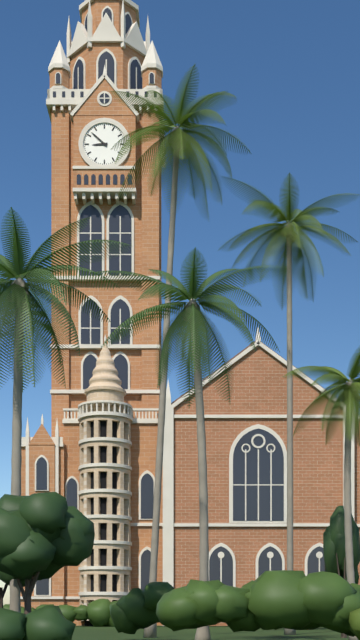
8:52
